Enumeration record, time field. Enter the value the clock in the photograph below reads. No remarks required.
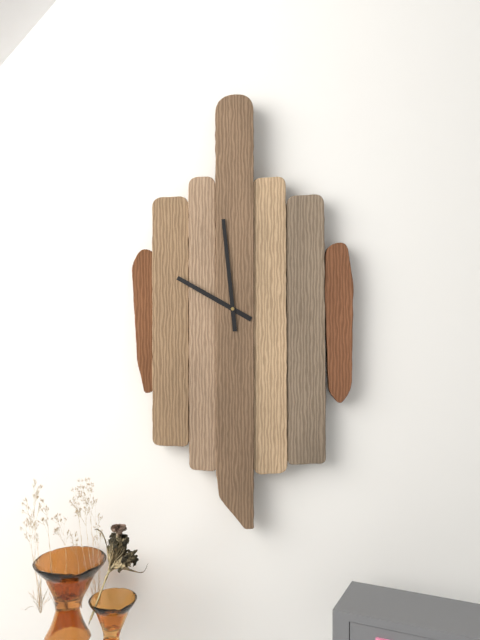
9:59
